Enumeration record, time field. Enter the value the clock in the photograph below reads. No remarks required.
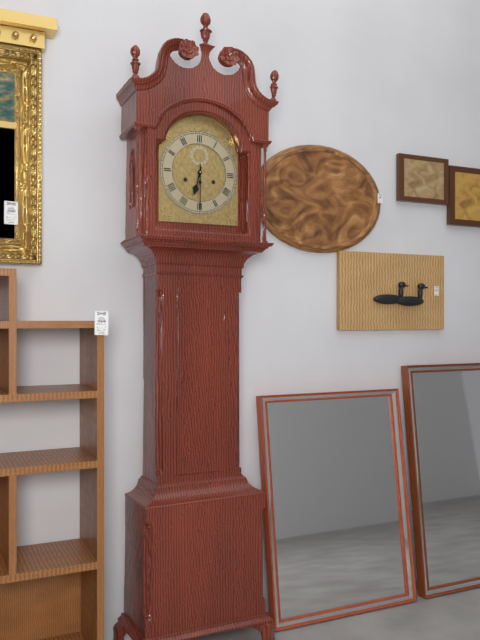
6:30
